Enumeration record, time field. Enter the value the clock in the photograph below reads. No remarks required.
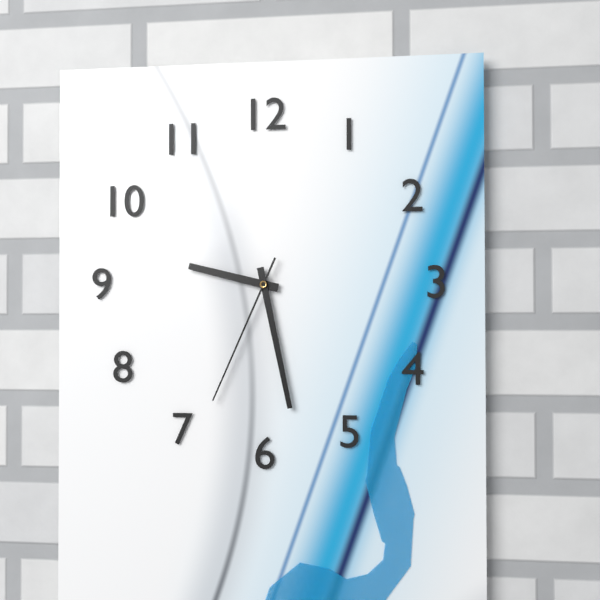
9:28:34
